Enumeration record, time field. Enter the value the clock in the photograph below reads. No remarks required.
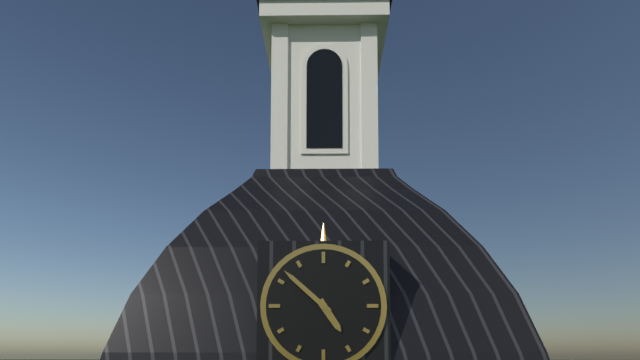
4:52
